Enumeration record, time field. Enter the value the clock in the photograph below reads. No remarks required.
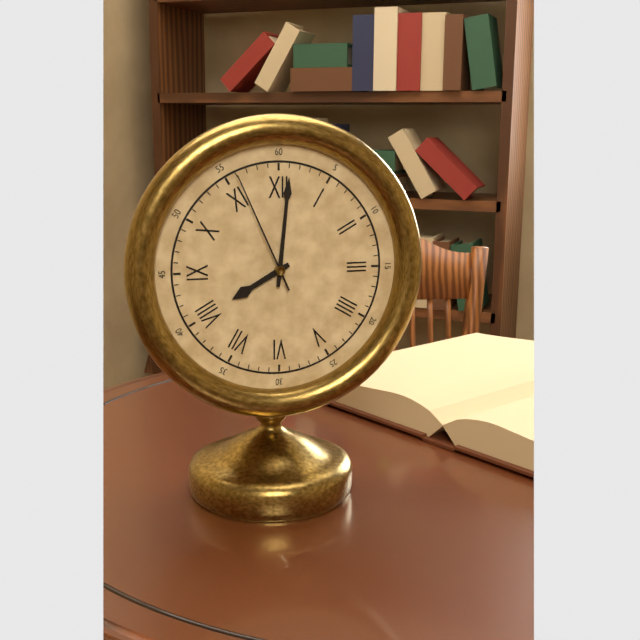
8:01:56
